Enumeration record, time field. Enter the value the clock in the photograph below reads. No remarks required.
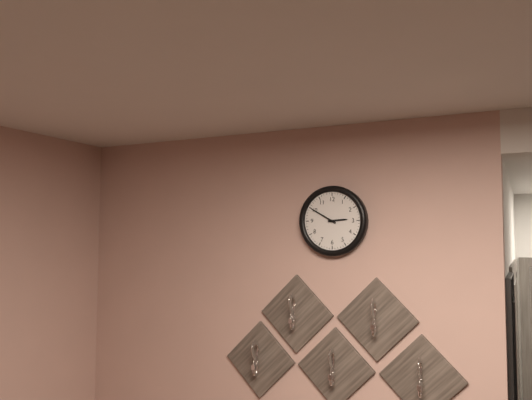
2:50
